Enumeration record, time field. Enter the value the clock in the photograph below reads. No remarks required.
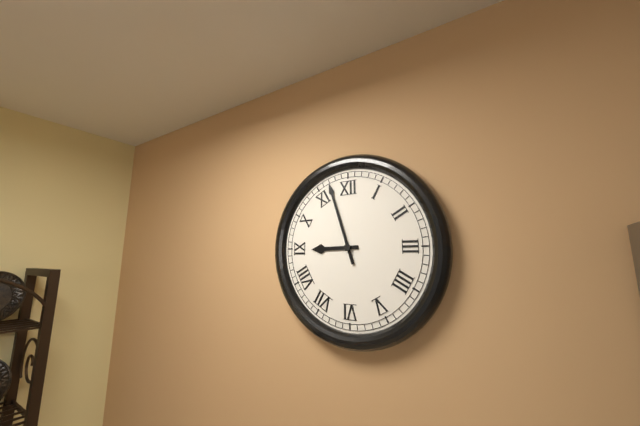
8:57
